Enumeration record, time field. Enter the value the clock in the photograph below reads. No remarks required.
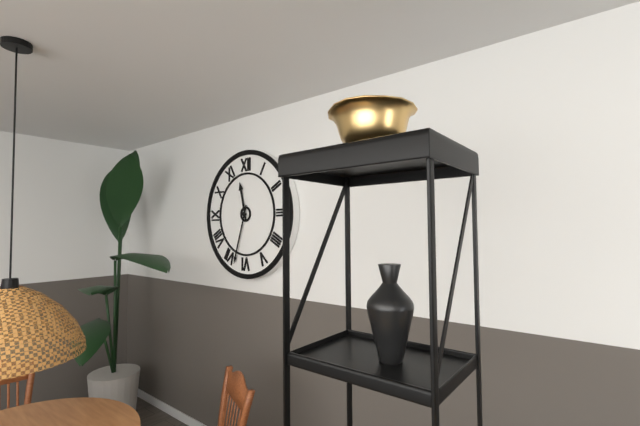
11:33
